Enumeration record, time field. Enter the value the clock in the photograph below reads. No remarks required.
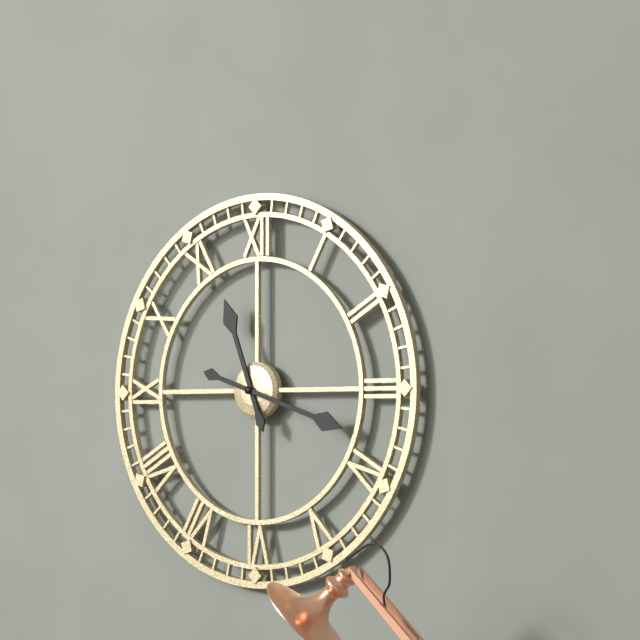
11:18
